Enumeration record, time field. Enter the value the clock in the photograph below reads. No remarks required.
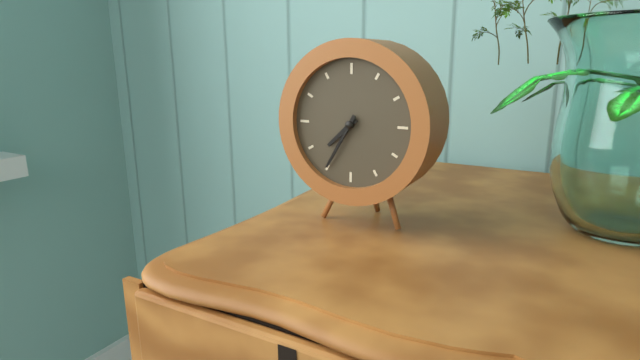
7:35
